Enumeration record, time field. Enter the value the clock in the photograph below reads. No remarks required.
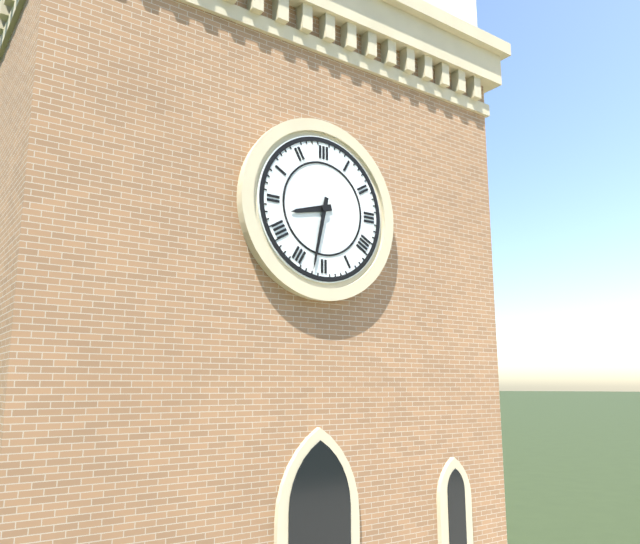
8:32
